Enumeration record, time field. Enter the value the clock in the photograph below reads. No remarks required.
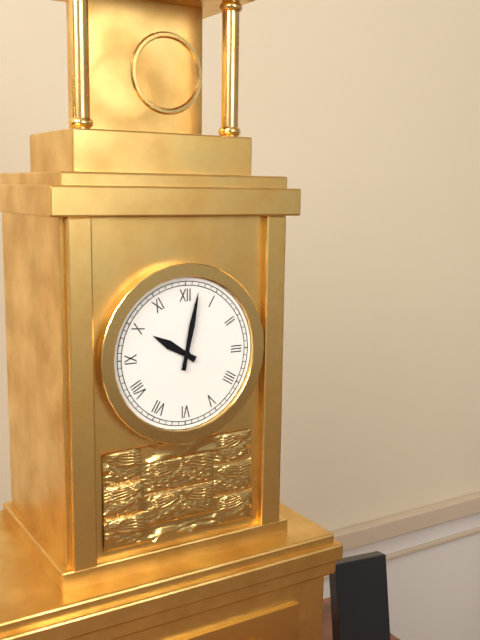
10:02
